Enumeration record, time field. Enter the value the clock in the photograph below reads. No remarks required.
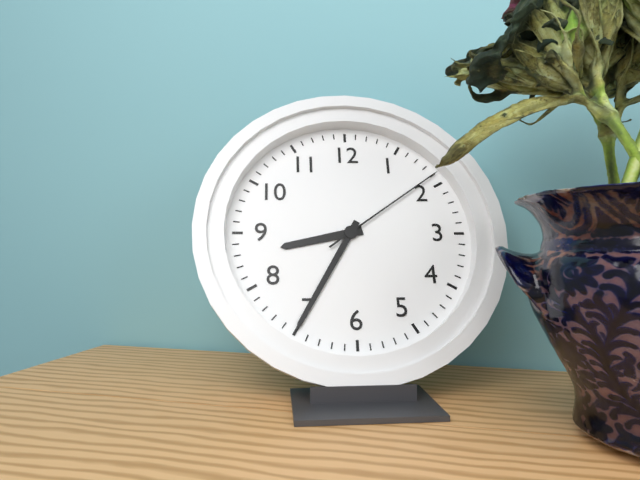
8:35:09
